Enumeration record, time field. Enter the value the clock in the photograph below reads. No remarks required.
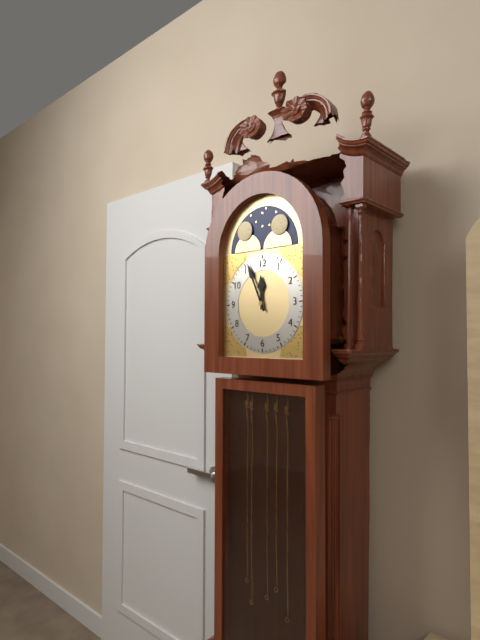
11:56
